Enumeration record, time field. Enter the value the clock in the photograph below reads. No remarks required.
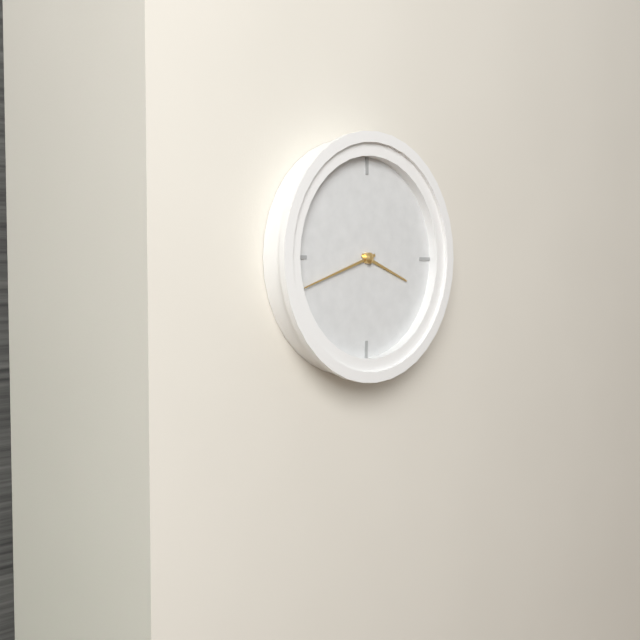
3:42
